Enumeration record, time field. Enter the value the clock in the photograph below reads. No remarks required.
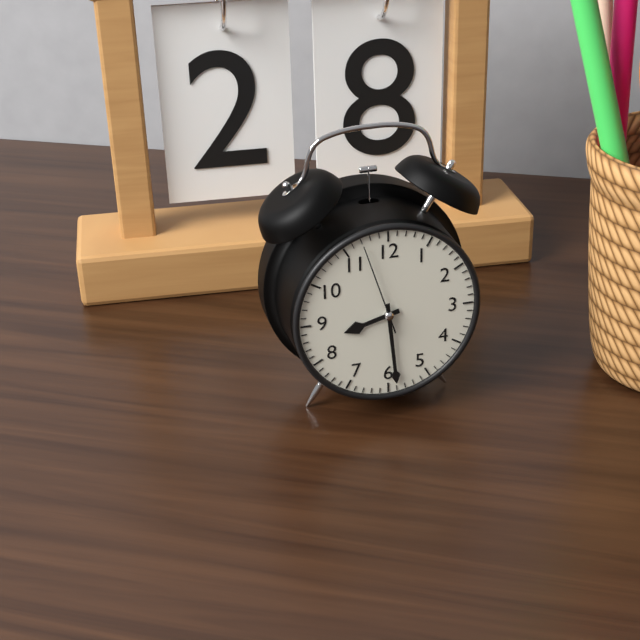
8:29:57
